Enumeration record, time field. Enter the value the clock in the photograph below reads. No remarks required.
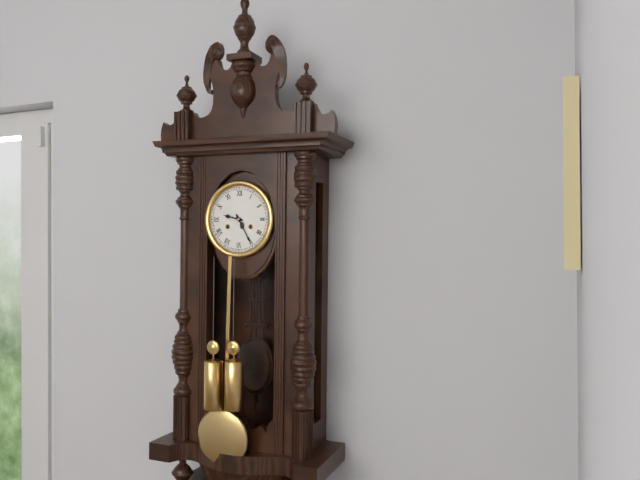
9:25
